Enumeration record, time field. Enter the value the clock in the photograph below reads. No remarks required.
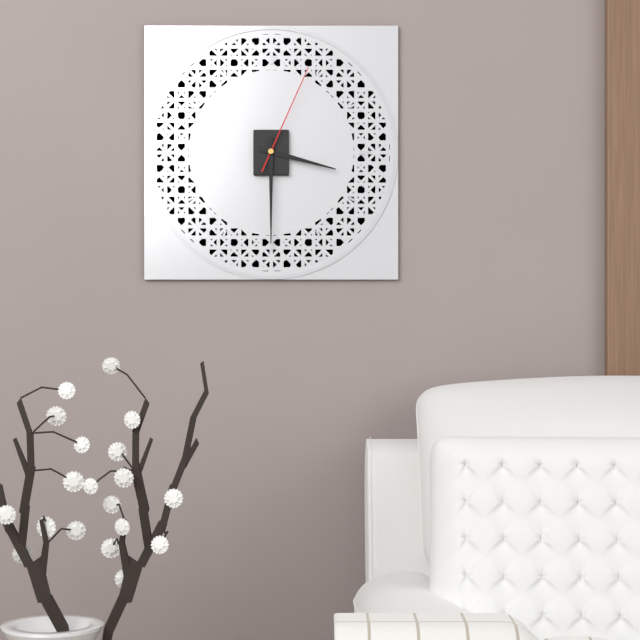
3:30:04
